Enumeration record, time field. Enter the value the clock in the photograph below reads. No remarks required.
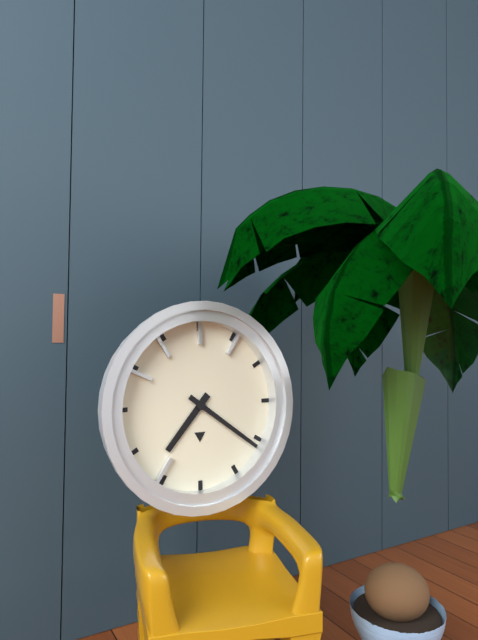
7:21
